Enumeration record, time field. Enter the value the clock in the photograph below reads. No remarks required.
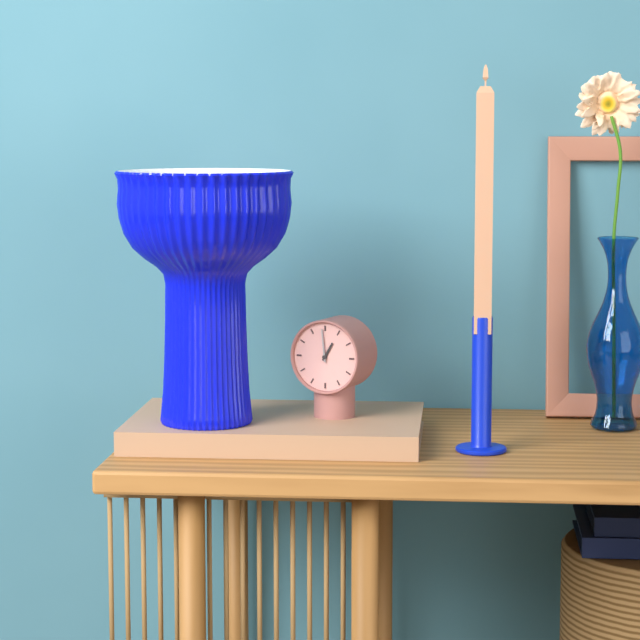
12:59
